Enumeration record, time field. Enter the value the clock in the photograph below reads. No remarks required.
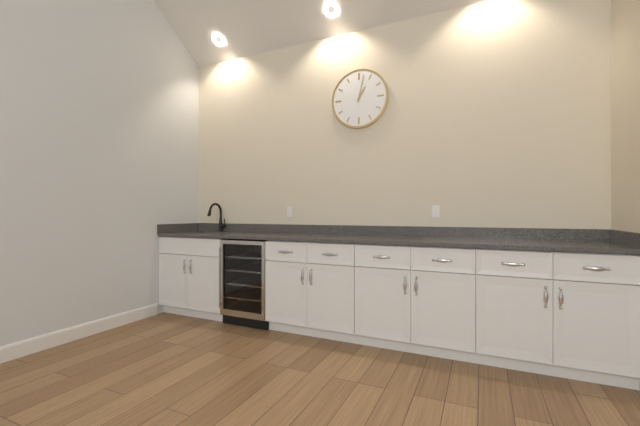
1:02
